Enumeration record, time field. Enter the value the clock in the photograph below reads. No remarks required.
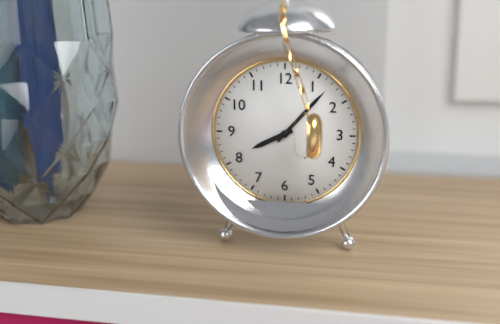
8:07
